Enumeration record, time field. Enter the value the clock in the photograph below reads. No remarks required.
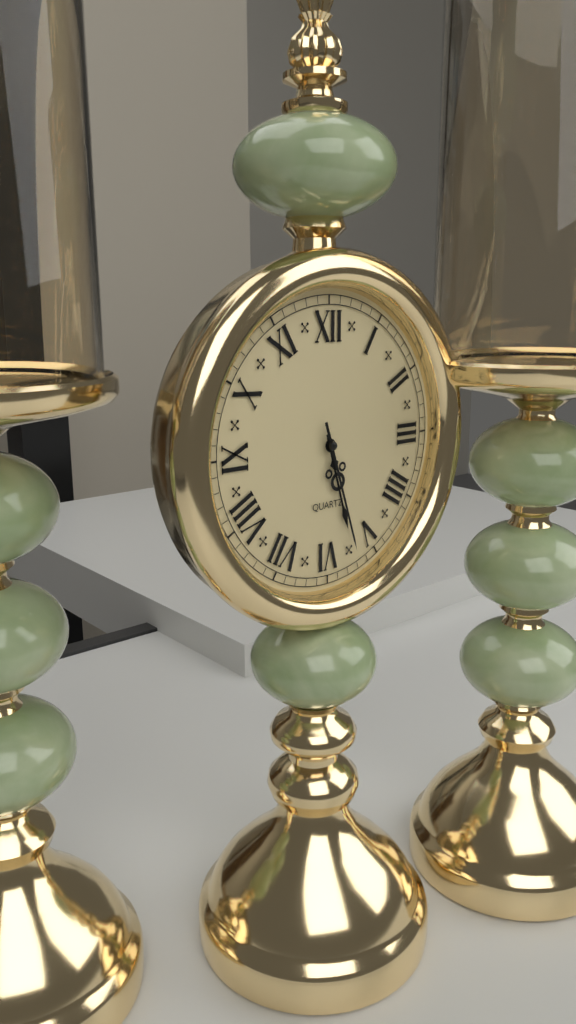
5:27
